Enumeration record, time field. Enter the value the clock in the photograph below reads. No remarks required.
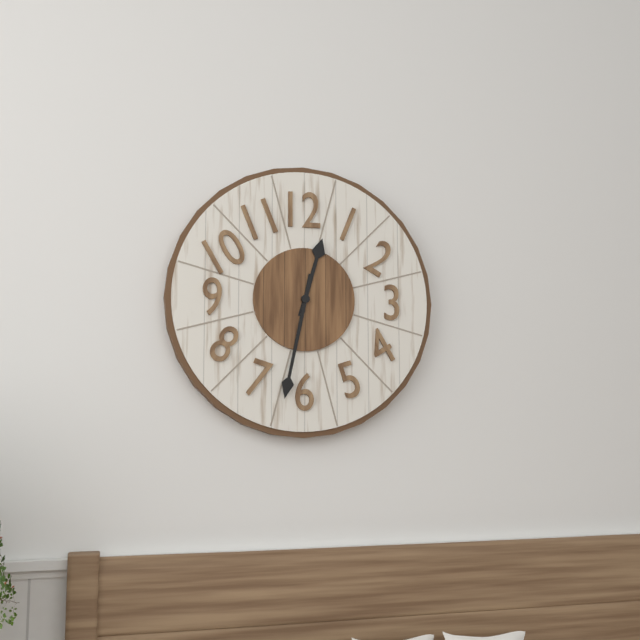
12:32
